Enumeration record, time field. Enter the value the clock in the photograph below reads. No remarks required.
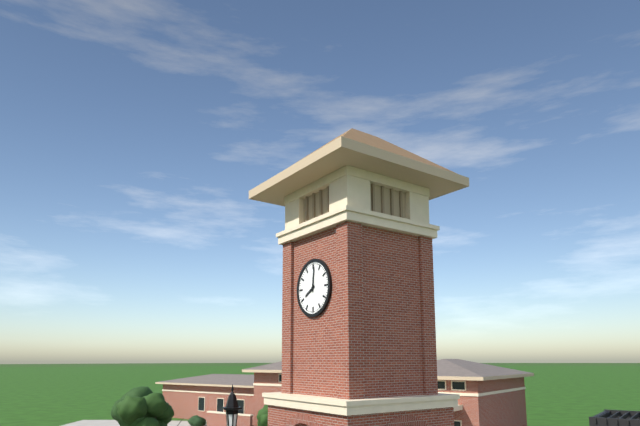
8:01
